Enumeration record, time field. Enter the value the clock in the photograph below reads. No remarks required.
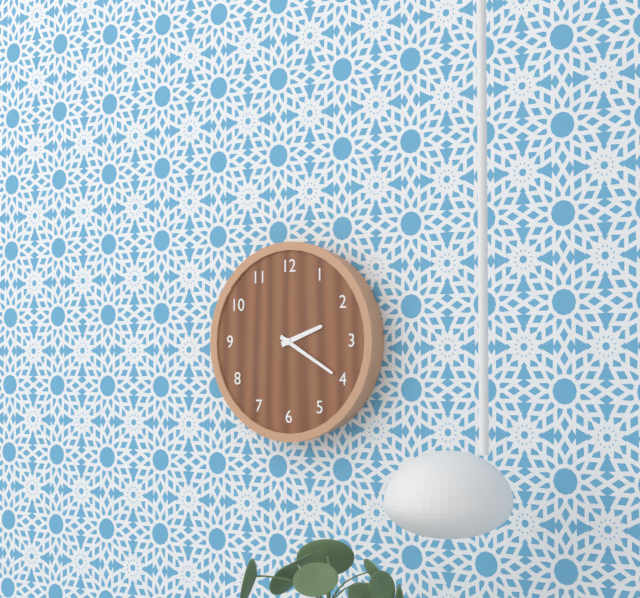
2:20
